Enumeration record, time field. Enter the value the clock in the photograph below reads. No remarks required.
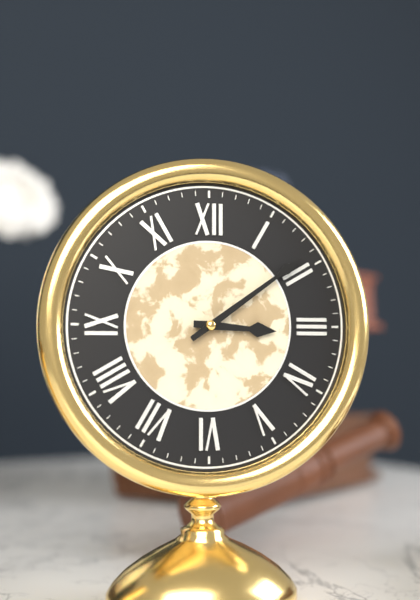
3:09
